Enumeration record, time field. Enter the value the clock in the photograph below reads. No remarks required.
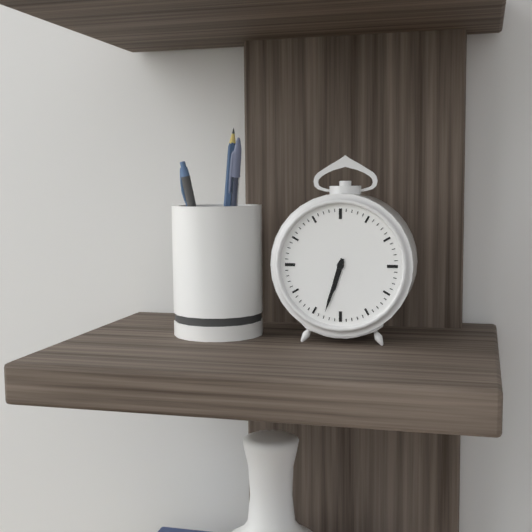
6:33
